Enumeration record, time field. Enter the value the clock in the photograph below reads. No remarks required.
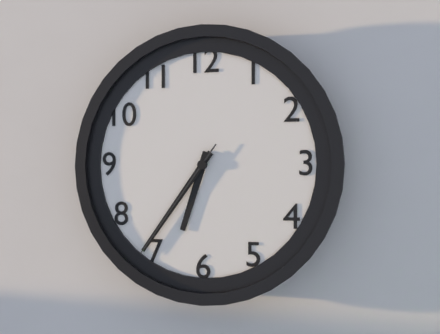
6:36:36
